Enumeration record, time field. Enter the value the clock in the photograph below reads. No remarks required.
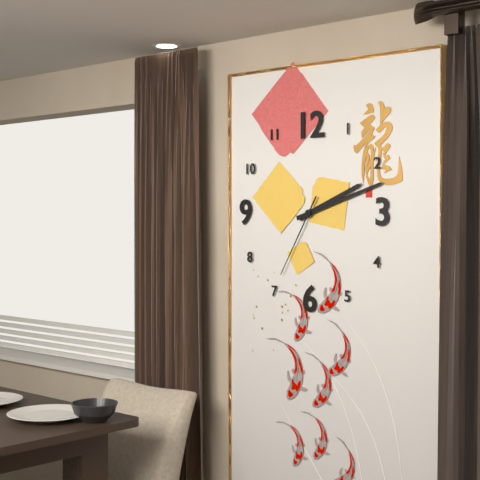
2:12:35
